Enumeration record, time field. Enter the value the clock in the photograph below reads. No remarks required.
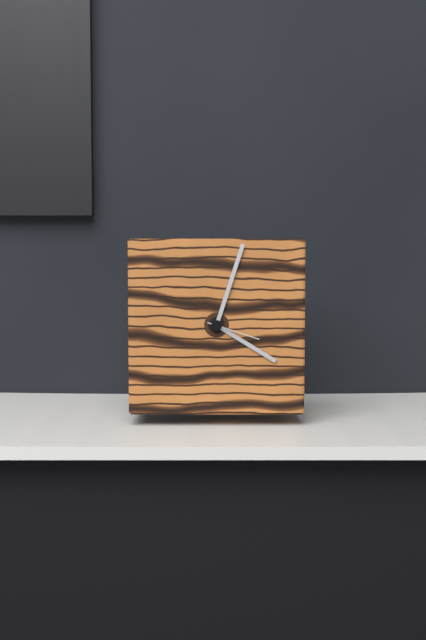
4:03:18
